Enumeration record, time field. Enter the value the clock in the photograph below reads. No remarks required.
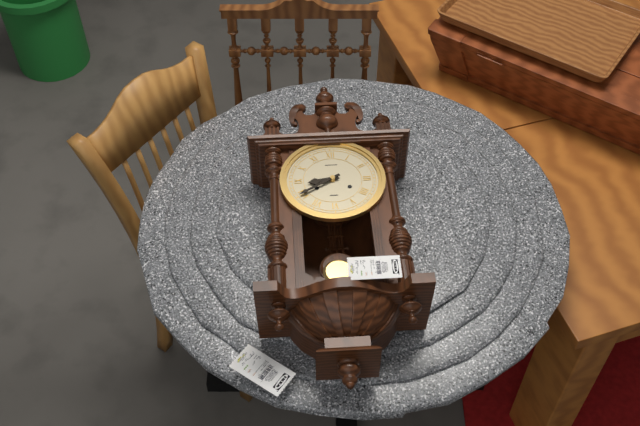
8:40
